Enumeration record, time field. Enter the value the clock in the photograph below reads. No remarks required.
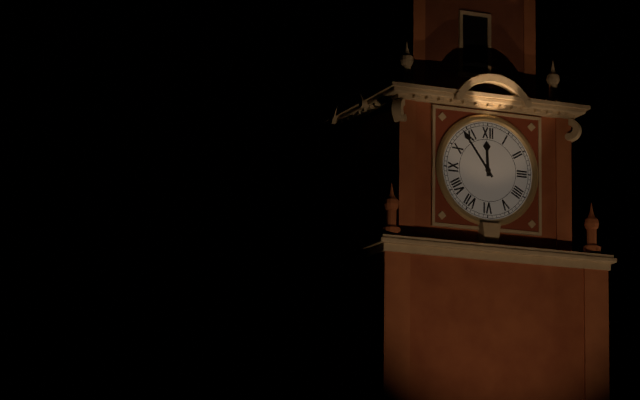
11:54
